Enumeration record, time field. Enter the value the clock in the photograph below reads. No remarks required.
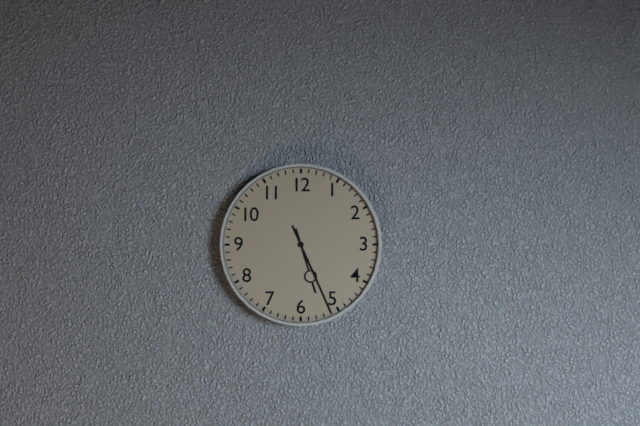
5:26
